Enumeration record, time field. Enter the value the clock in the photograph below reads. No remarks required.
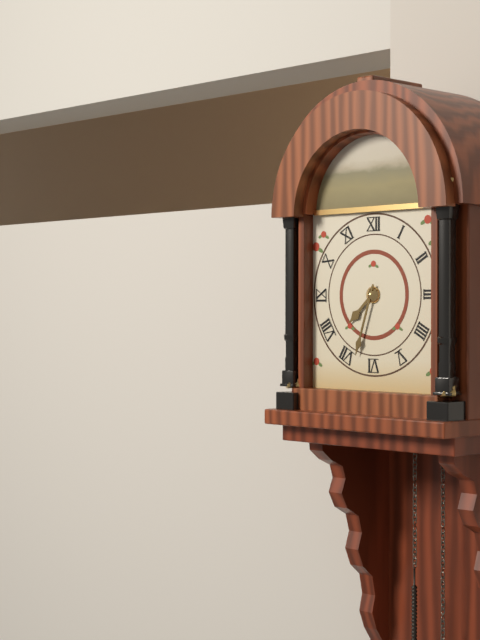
7:33
